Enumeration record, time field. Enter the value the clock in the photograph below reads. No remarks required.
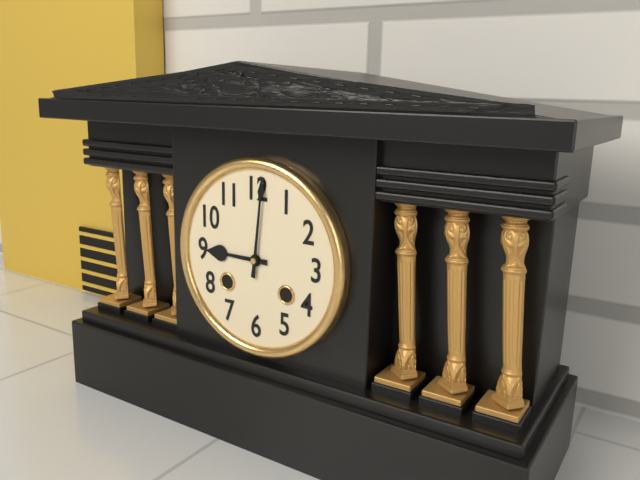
9:01
